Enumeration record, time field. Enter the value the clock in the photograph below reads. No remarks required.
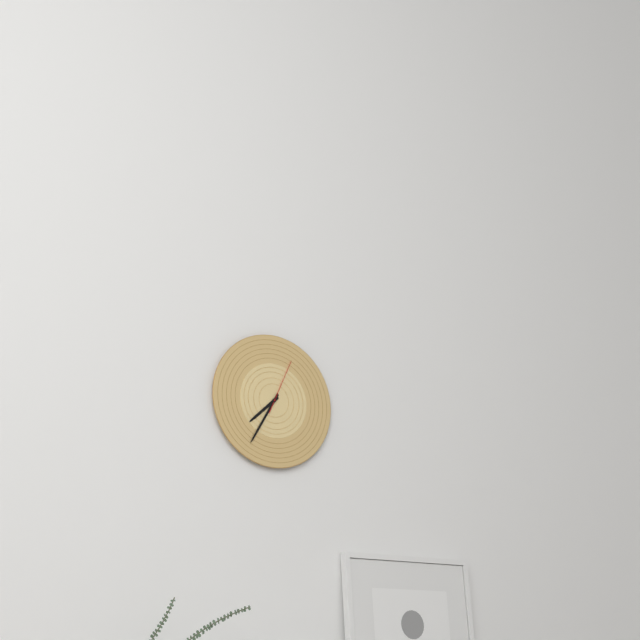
7:35:04
